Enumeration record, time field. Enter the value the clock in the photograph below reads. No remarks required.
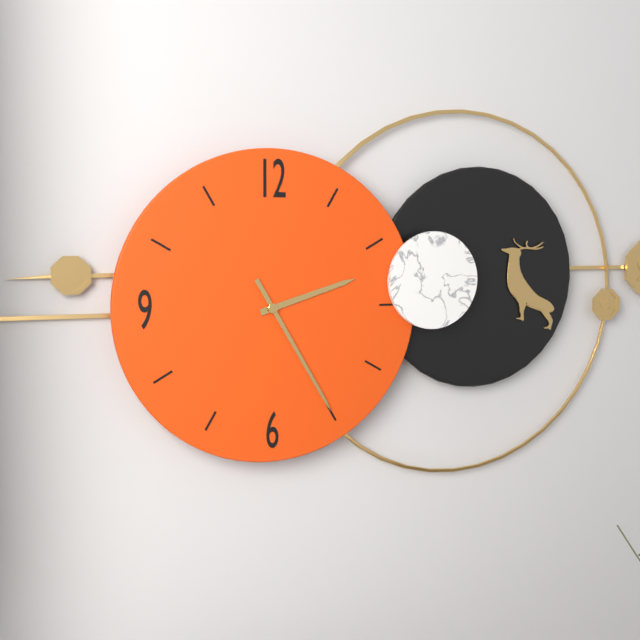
2:25
